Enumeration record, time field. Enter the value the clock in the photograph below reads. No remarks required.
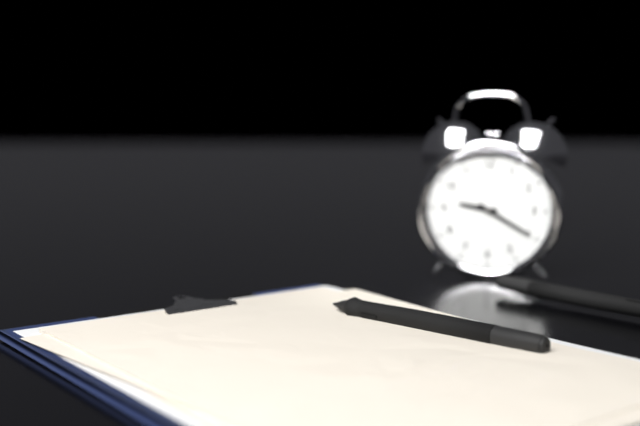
9:20
